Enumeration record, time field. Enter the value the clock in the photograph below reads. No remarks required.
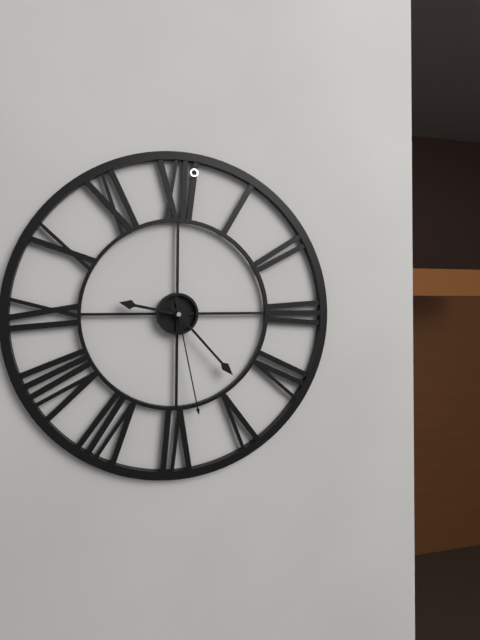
9:23:28
